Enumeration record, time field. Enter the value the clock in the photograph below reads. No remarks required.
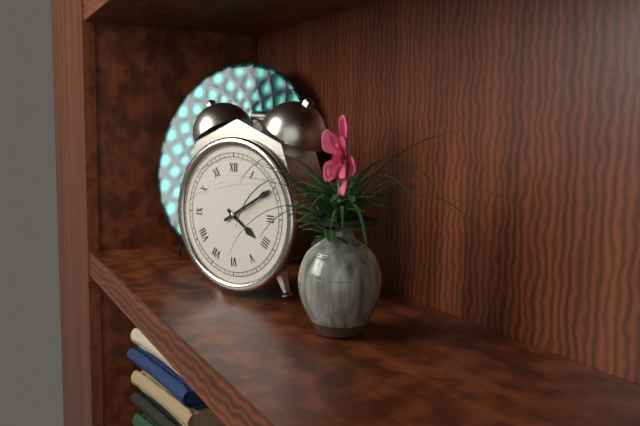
4:10
